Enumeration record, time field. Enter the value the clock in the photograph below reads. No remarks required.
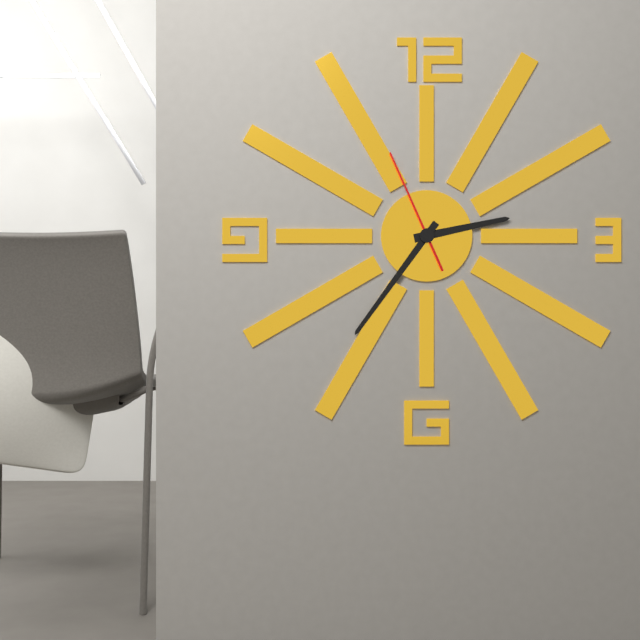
2:36:56
